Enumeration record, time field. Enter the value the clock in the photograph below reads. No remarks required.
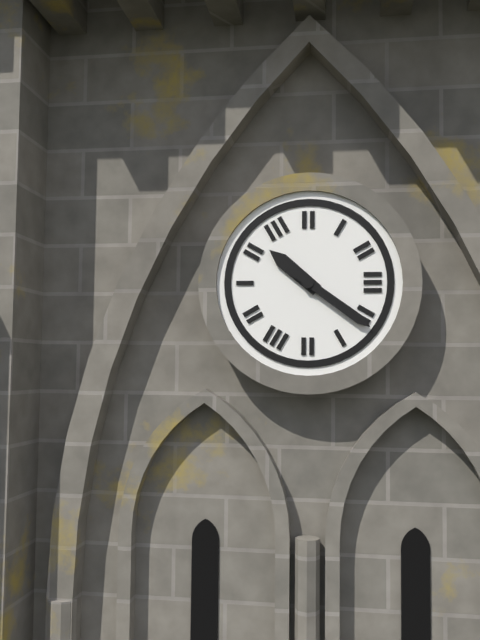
10:21
